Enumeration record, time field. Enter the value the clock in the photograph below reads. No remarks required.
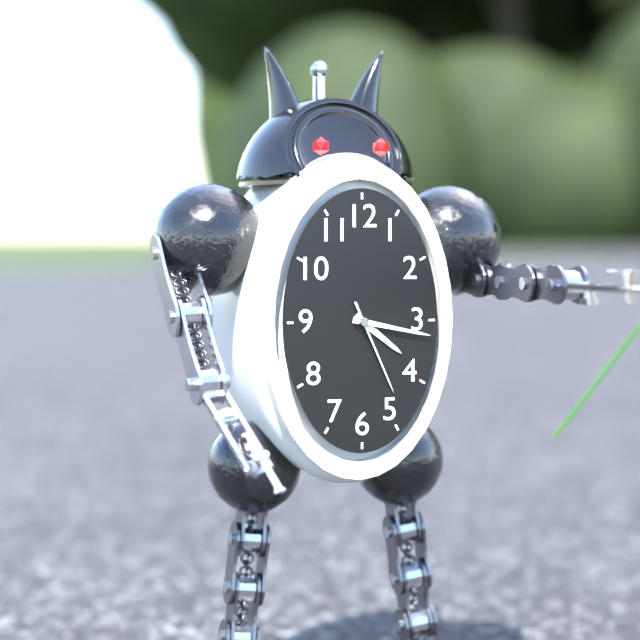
4:17:26
